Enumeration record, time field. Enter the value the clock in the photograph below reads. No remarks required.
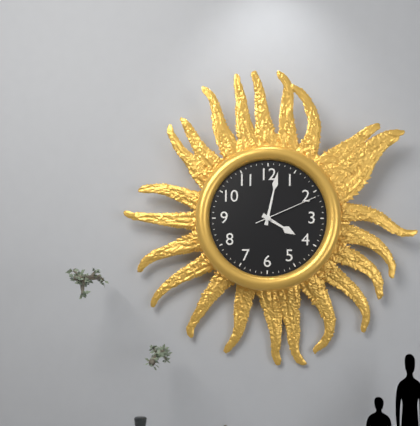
4:02:11
